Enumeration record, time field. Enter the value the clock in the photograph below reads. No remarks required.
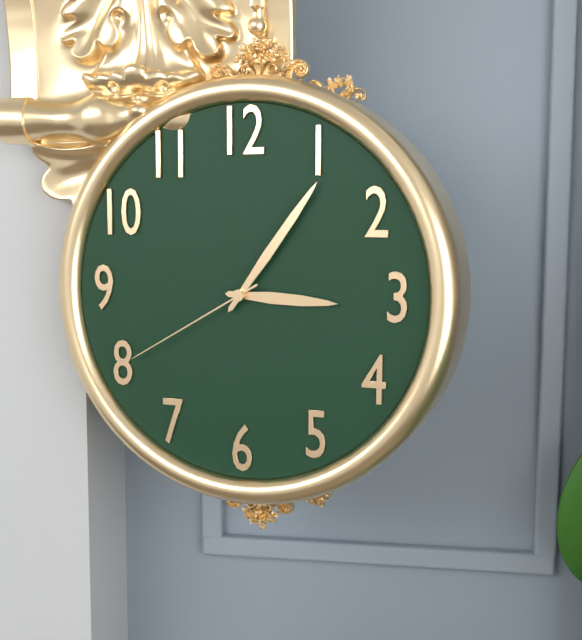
3:06:40
